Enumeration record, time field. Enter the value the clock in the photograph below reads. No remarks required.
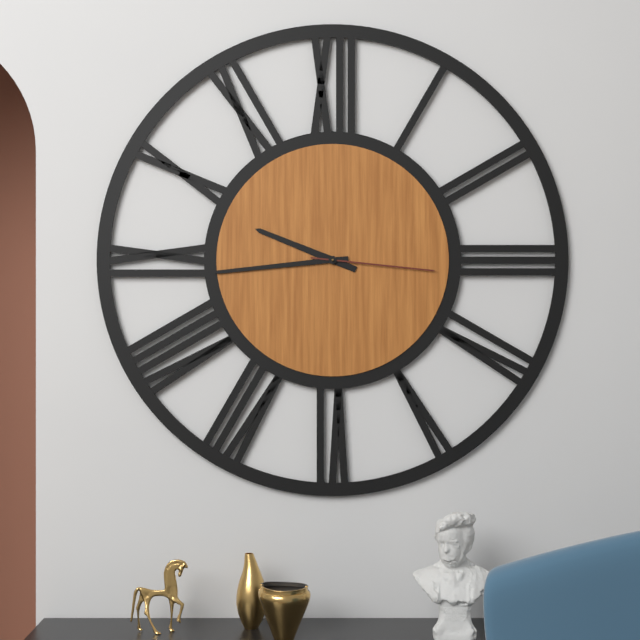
9:44:16
